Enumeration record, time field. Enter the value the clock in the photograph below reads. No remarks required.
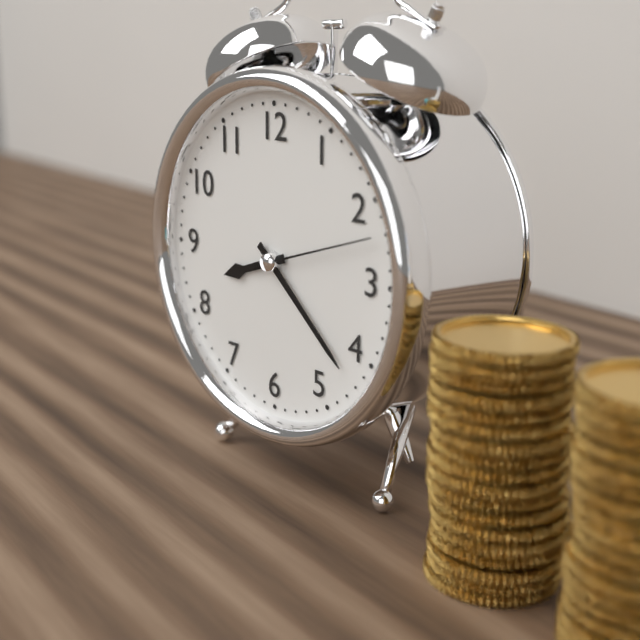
8:22:12
